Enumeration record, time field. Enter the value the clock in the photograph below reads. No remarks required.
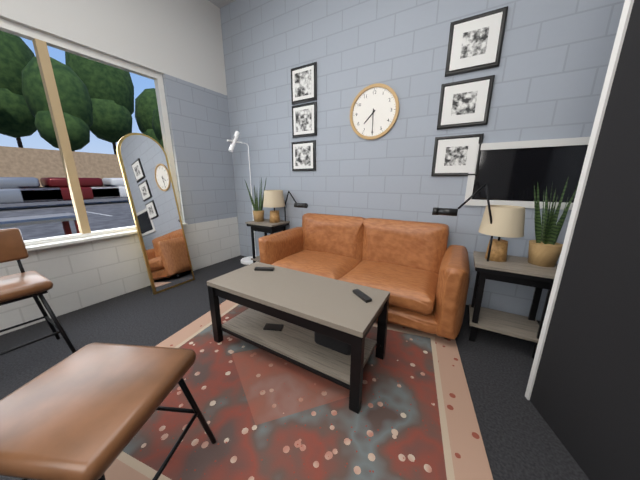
7:30
